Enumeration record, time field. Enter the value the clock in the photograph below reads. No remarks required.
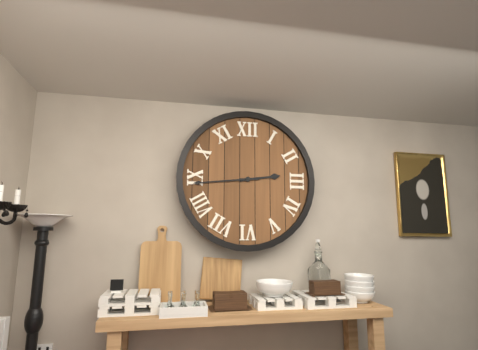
2:44
